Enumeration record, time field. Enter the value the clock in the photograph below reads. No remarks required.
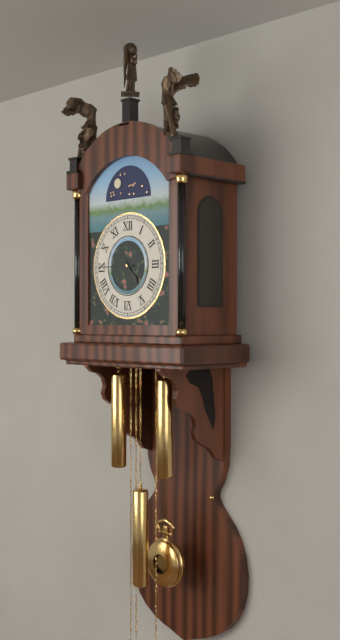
4:45
